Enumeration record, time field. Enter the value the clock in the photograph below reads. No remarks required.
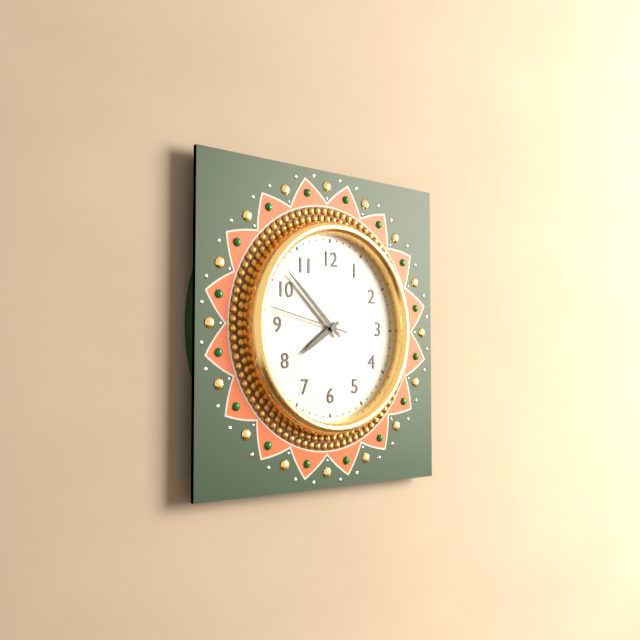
7:52:47
